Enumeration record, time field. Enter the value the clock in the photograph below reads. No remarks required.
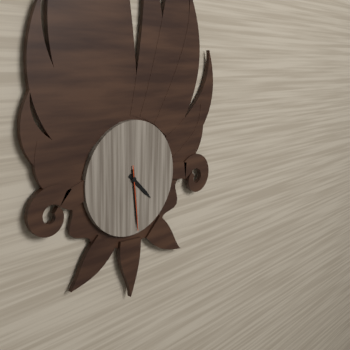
4:29:29
